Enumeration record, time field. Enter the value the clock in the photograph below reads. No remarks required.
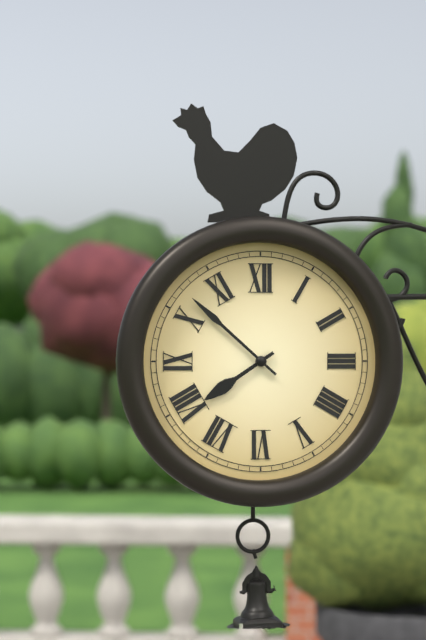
7:52
